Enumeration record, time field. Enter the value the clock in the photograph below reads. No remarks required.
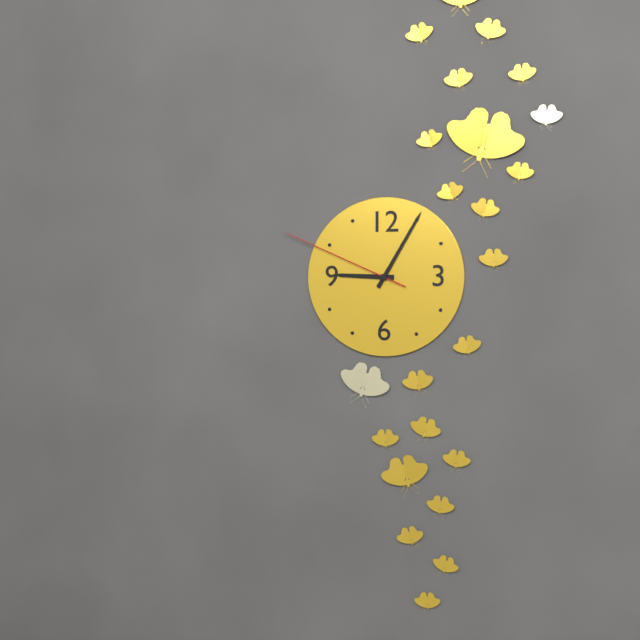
9:05:49
